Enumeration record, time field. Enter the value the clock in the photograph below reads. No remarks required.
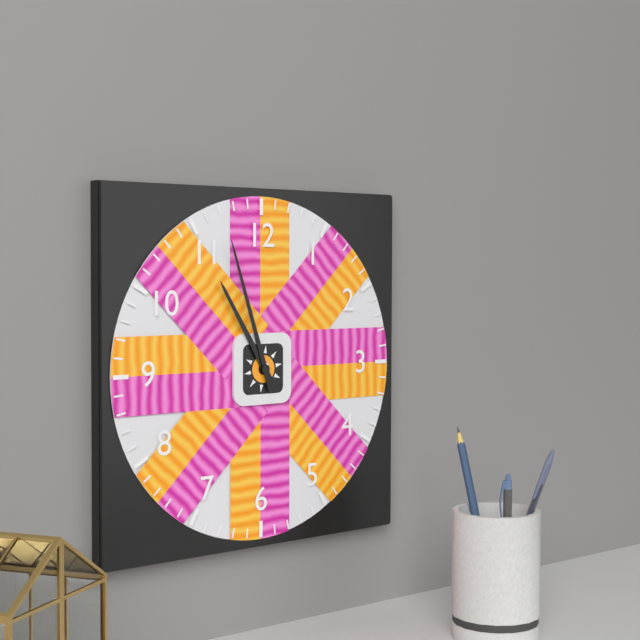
10:57
